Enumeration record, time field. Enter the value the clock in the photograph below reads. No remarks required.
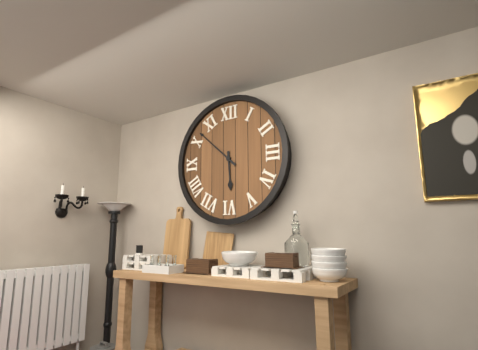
5:52
